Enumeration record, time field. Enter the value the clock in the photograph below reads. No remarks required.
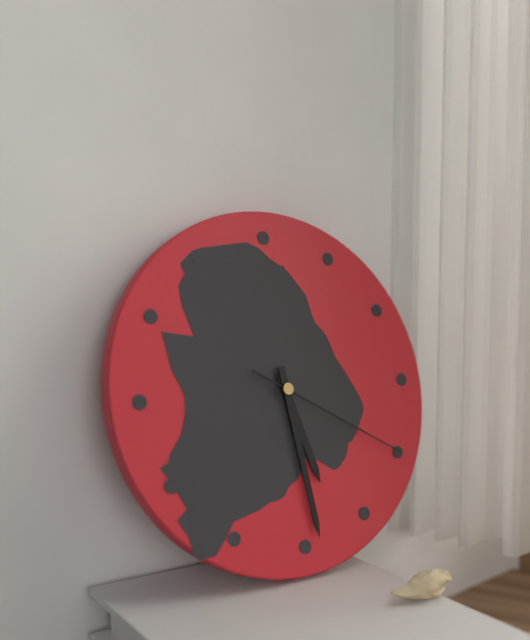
5:29:20
